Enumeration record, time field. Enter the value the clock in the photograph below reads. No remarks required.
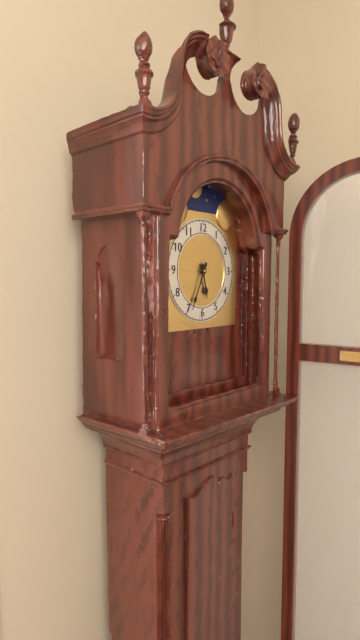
5:34
